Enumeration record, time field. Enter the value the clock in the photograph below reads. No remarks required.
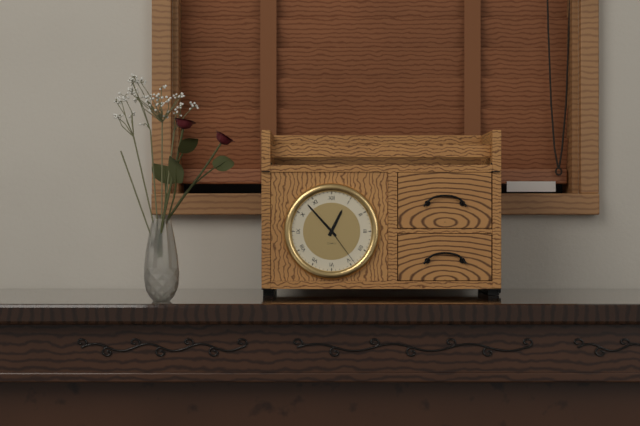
12:53
